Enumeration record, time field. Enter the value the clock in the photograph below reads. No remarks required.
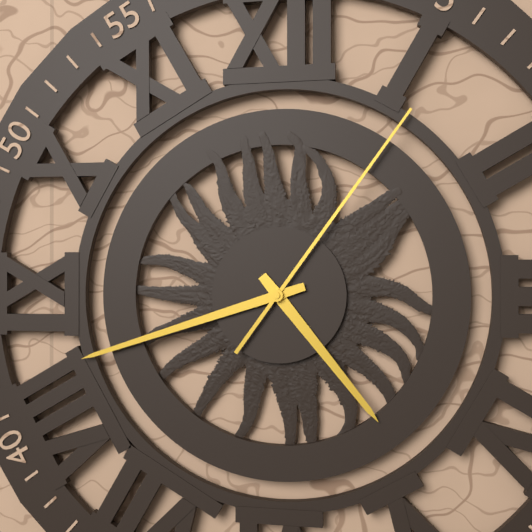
4:42:06
